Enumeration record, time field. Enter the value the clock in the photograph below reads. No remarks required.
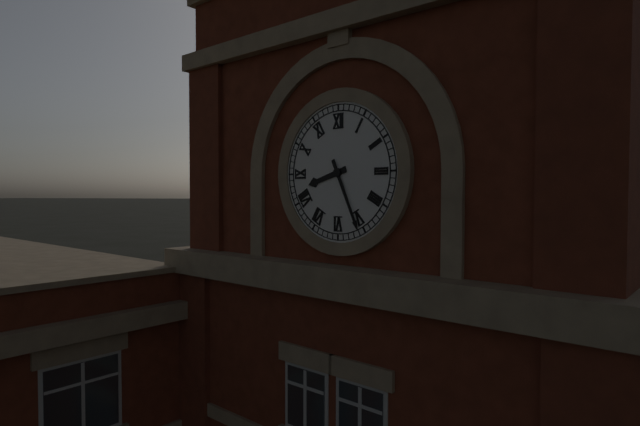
8:26
